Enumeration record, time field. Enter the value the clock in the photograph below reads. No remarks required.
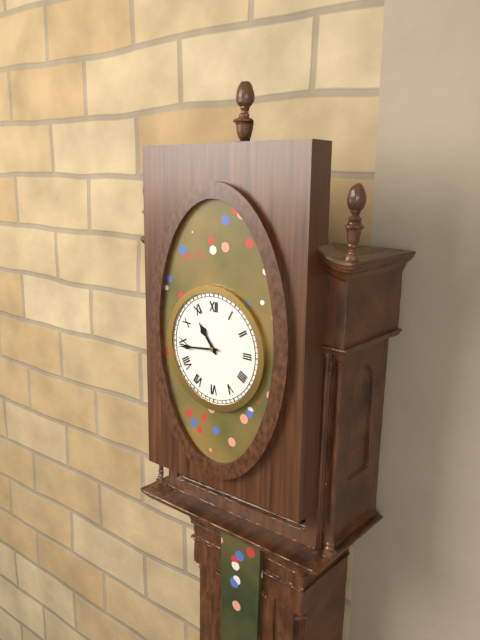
10:44
